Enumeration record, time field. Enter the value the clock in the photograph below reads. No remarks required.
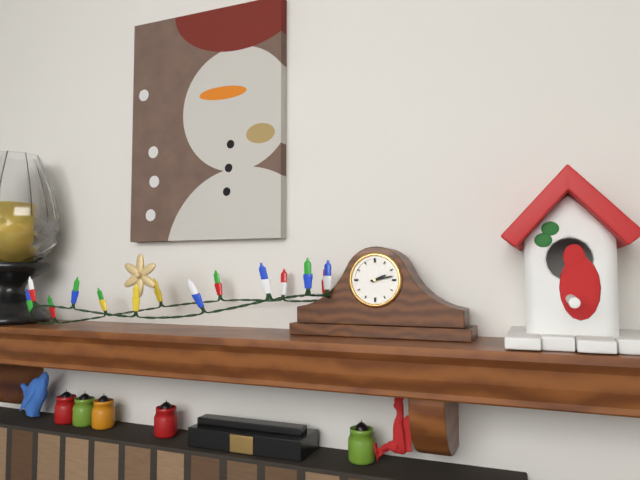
2:13
